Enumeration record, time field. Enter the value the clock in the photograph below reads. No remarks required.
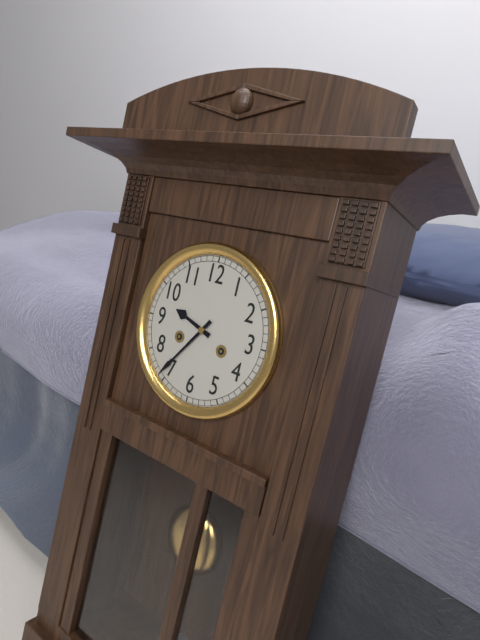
9:36
